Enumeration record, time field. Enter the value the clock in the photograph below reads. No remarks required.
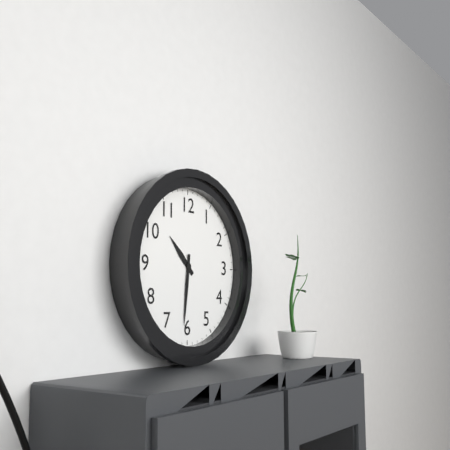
10:31
